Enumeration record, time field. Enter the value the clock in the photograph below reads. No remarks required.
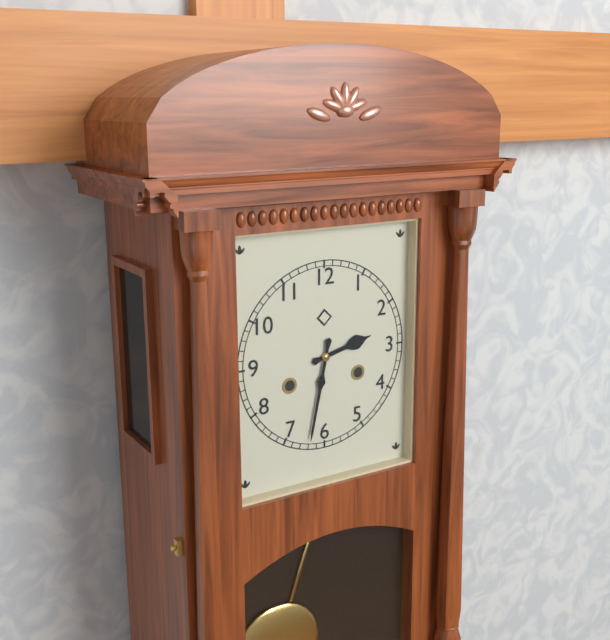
2:32
